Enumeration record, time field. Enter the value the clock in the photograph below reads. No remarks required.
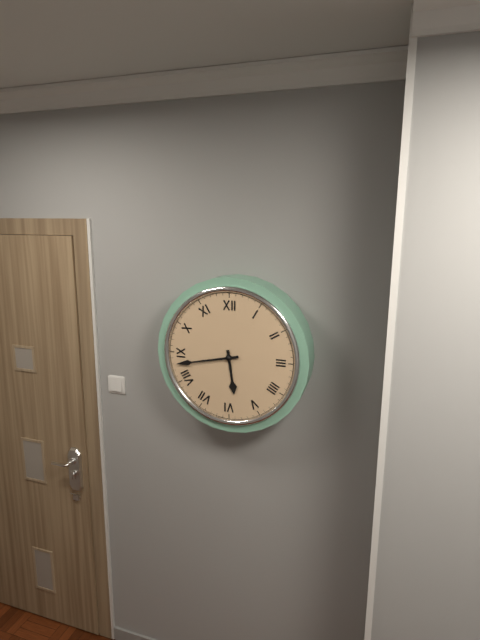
5:43
